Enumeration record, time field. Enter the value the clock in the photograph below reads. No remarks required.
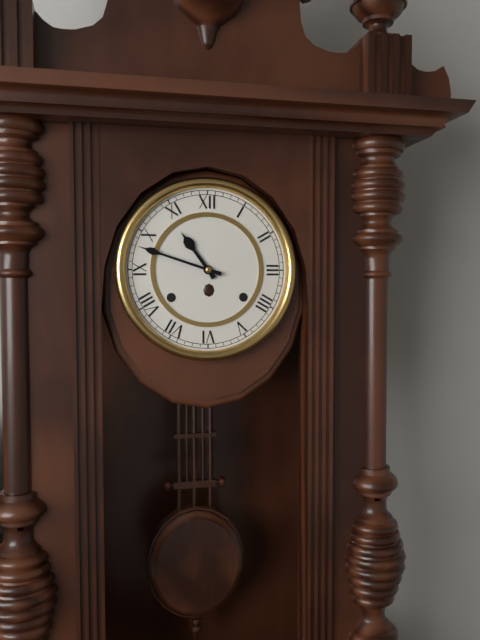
10:48
